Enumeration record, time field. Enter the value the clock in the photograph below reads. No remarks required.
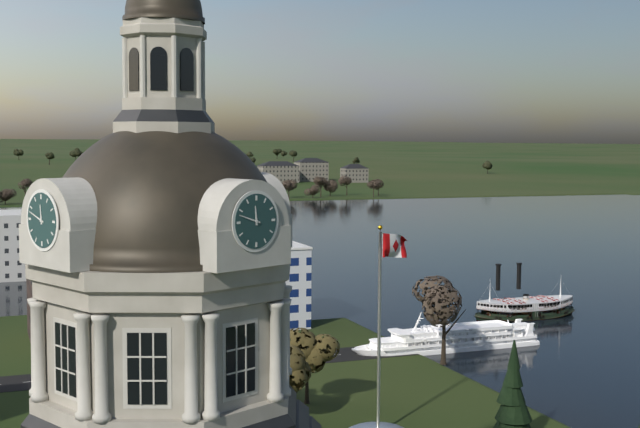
11:48
